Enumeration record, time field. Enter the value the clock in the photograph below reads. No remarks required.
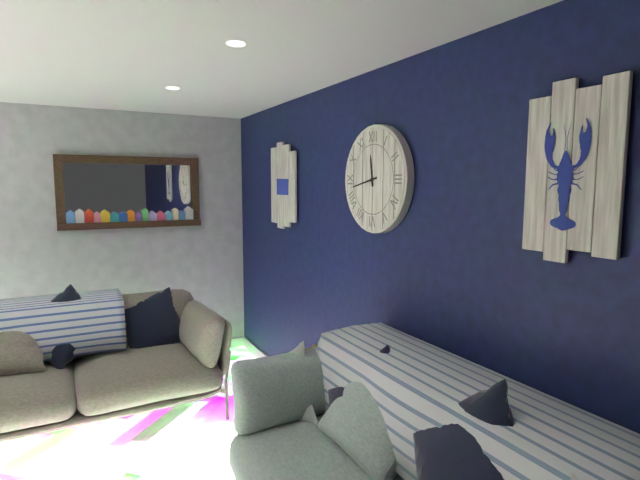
11:43
